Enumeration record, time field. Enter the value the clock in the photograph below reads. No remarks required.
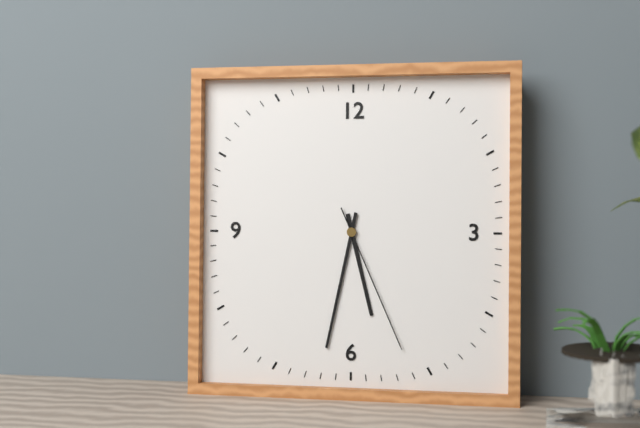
5:32:26
